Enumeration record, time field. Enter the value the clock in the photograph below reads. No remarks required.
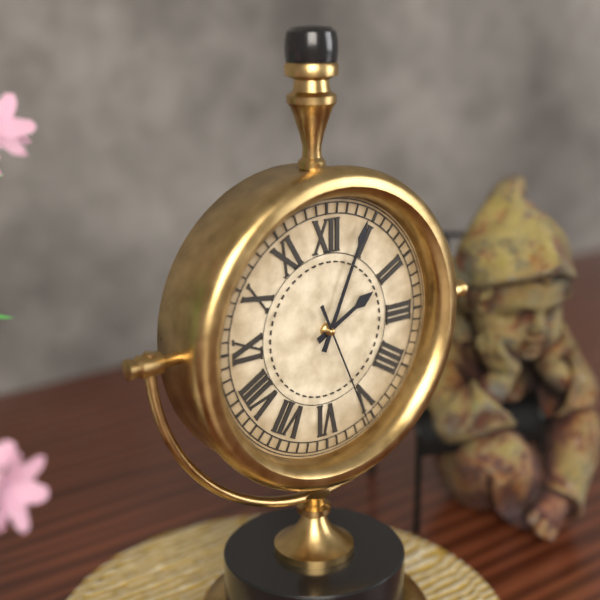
2:04:26
